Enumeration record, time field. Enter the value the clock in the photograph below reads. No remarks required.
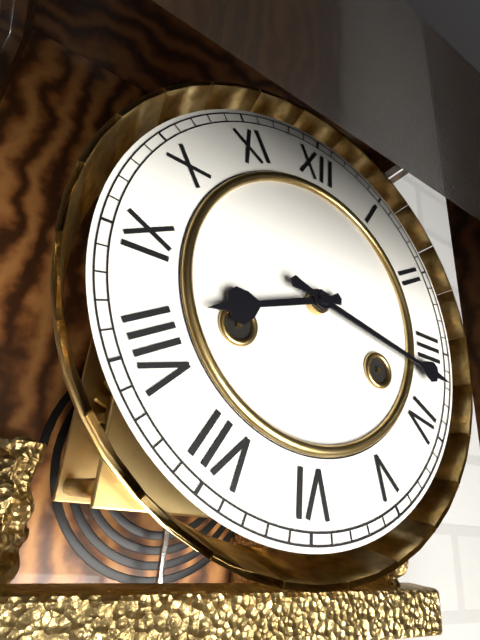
8:17
